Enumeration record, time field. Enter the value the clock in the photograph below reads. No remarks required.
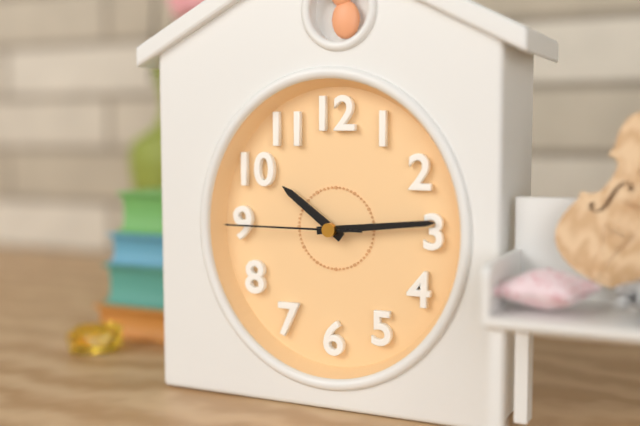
10:14:45
